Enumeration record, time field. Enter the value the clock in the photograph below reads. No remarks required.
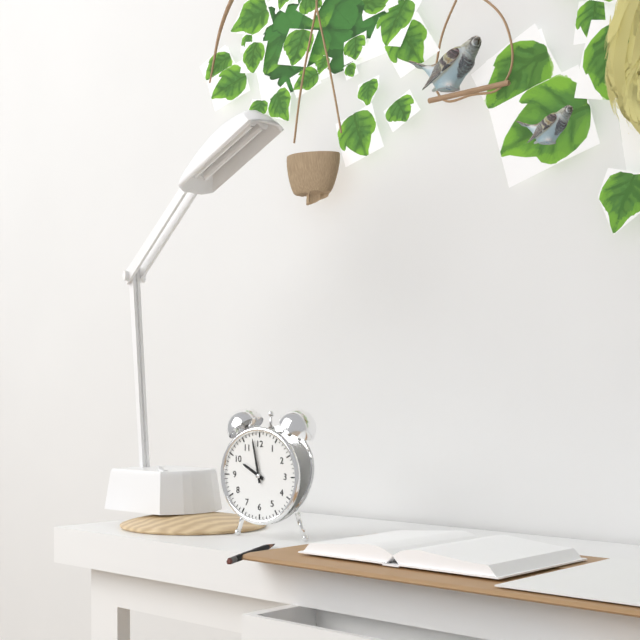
9:58
